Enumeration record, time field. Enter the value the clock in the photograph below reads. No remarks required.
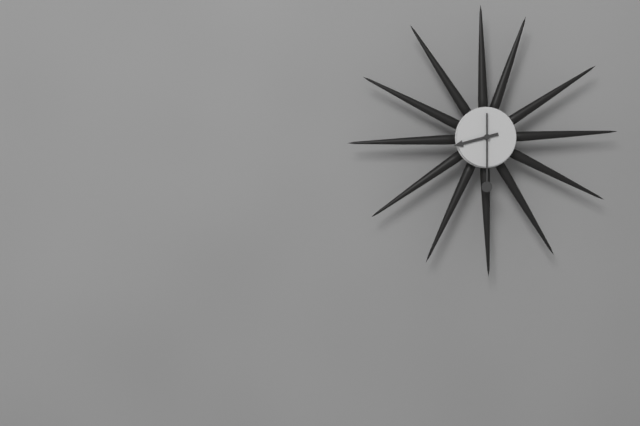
8:30
